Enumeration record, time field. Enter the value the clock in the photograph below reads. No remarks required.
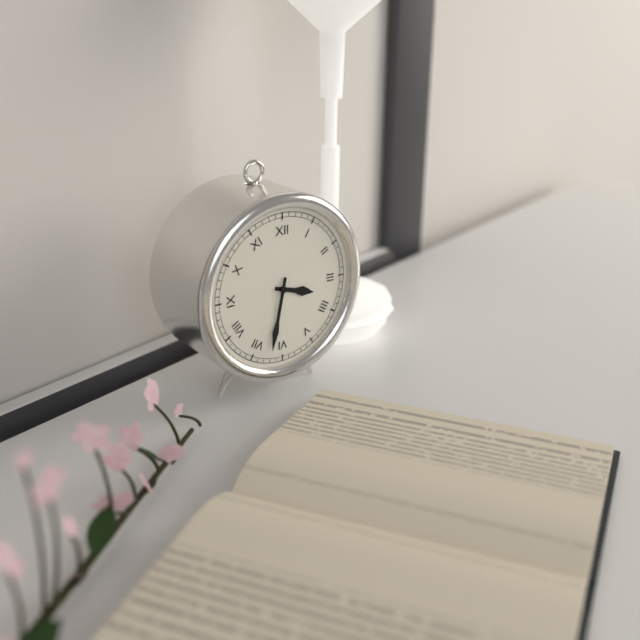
3:32
